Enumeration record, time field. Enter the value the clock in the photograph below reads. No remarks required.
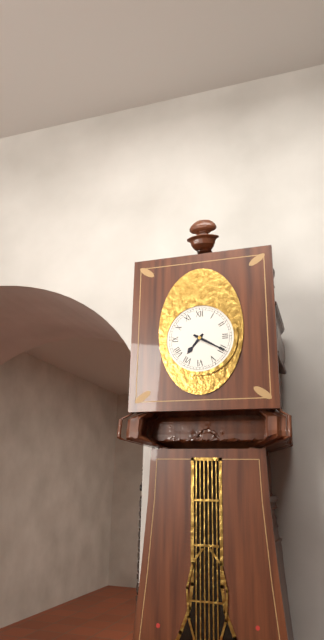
7:20
